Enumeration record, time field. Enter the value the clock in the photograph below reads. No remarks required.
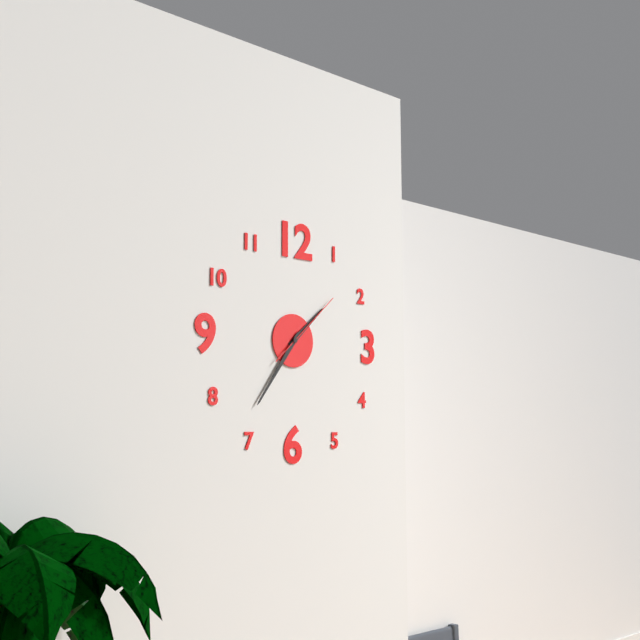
1:36:08
